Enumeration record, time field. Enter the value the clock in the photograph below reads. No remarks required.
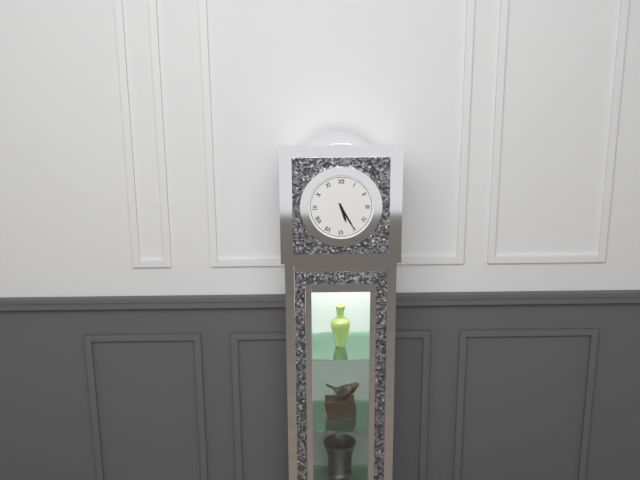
5:25
